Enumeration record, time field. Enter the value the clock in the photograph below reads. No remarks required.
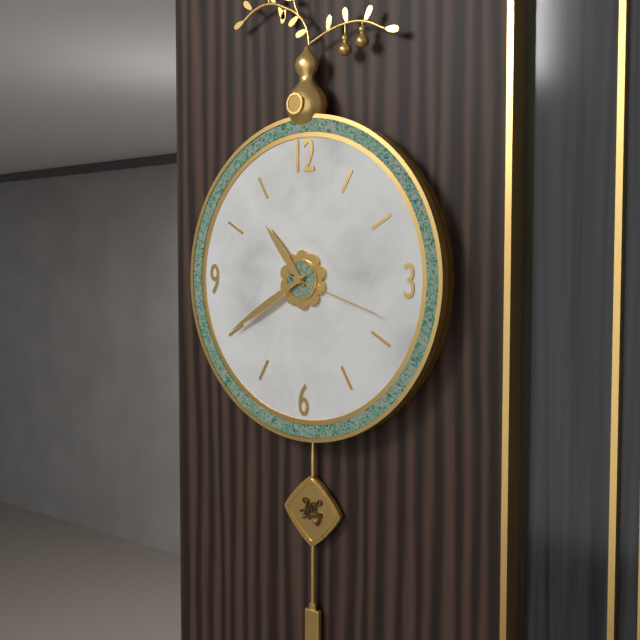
10:40:18
